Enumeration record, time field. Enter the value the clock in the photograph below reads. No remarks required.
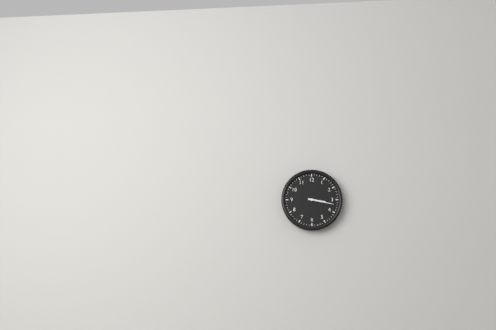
3:17
